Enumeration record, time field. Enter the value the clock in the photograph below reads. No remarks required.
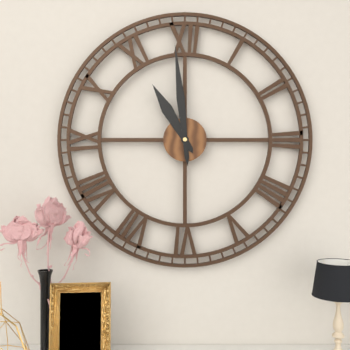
10:59
